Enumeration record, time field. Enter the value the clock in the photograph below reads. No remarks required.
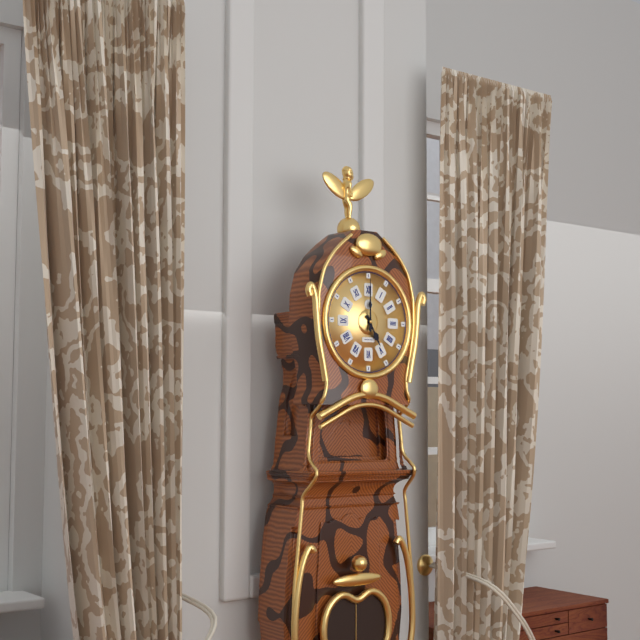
5:00
